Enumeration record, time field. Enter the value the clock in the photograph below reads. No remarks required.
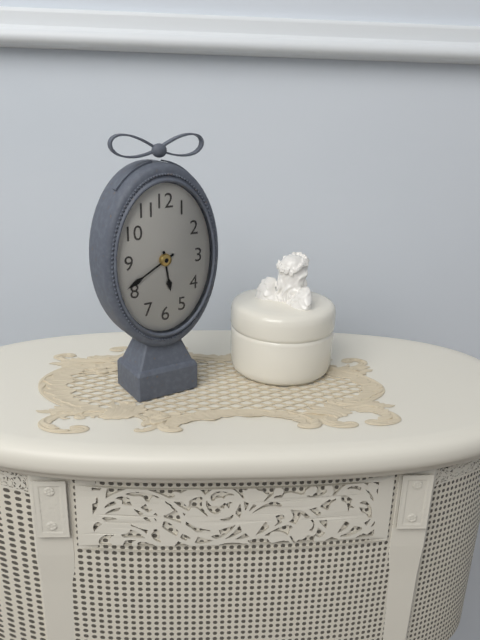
5:40
